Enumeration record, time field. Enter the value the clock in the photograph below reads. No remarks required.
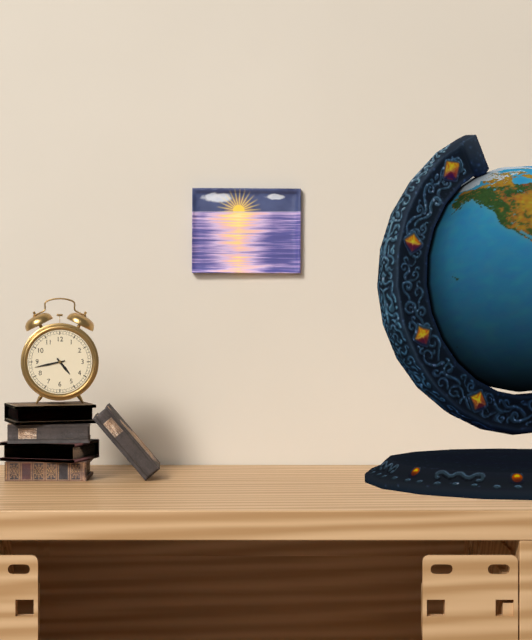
4:43
